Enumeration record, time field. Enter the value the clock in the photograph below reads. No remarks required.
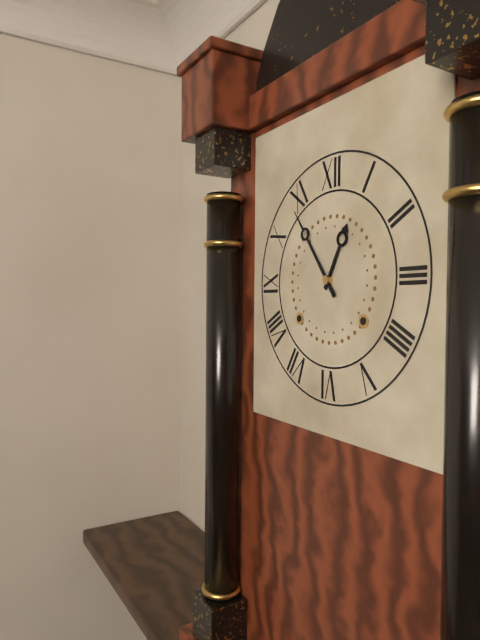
12:54
